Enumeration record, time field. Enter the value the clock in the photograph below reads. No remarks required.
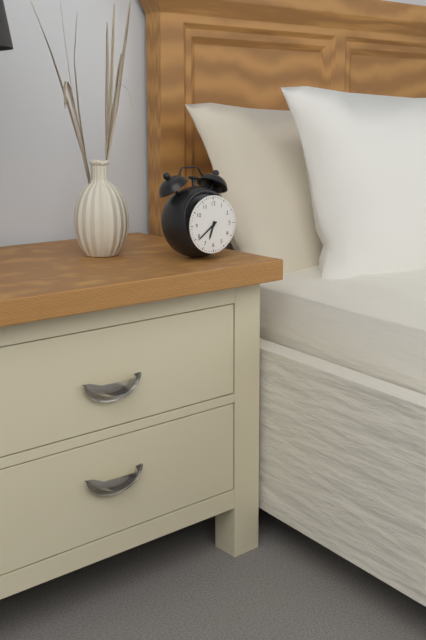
6:39
